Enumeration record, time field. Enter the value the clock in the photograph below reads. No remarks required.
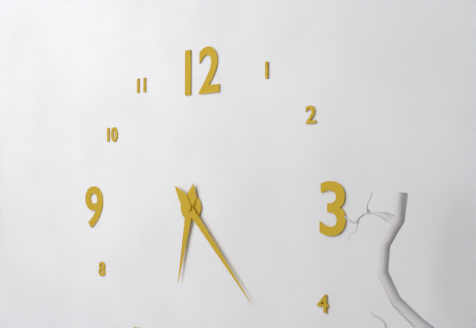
6:23
